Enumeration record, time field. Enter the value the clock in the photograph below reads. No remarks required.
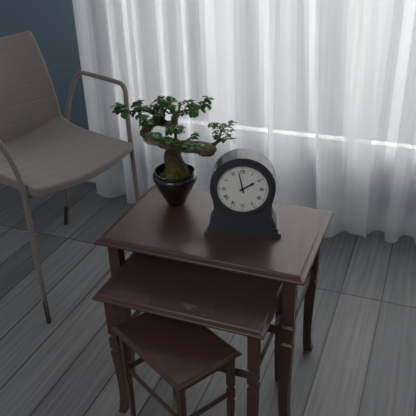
1:58
